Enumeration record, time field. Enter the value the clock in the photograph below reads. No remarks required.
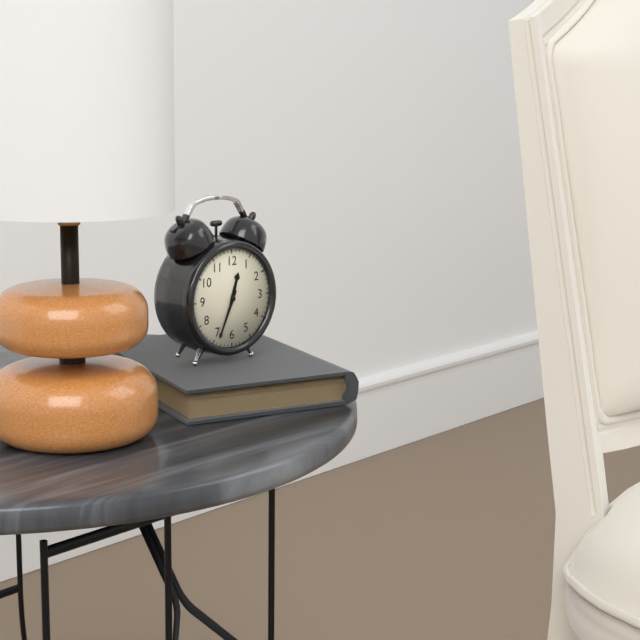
12:34
